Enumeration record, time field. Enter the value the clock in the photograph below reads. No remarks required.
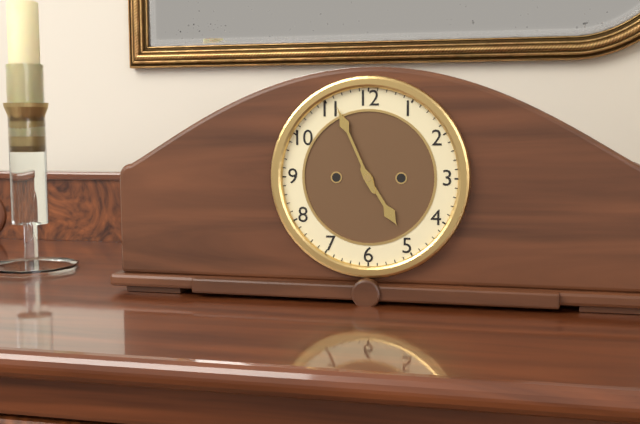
4:56
